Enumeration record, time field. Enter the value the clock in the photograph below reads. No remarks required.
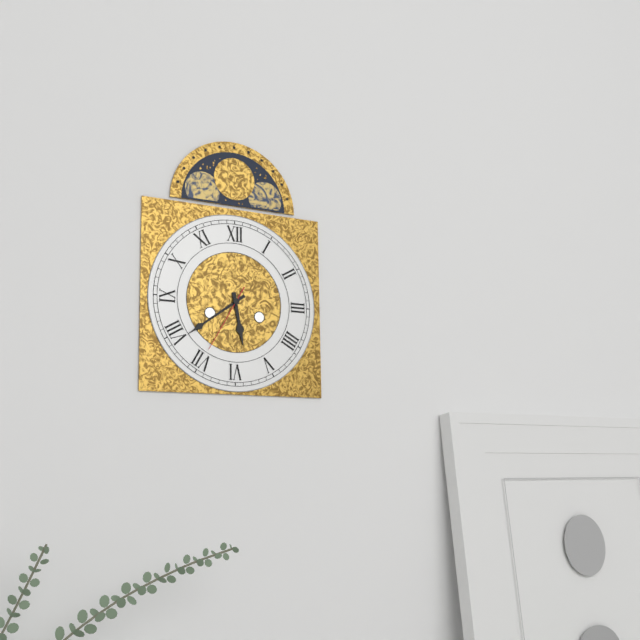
5:39:35
